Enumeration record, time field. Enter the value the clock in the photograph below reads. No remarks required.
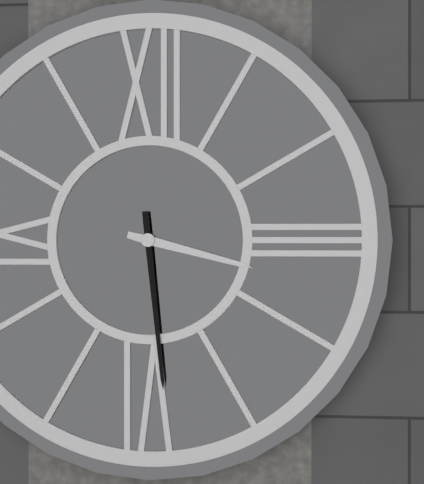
3:29
